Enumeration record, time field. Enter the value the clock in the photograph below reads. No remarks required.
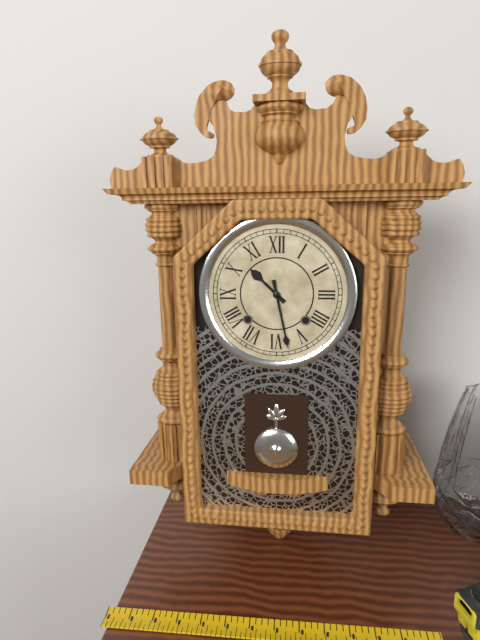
10:28
